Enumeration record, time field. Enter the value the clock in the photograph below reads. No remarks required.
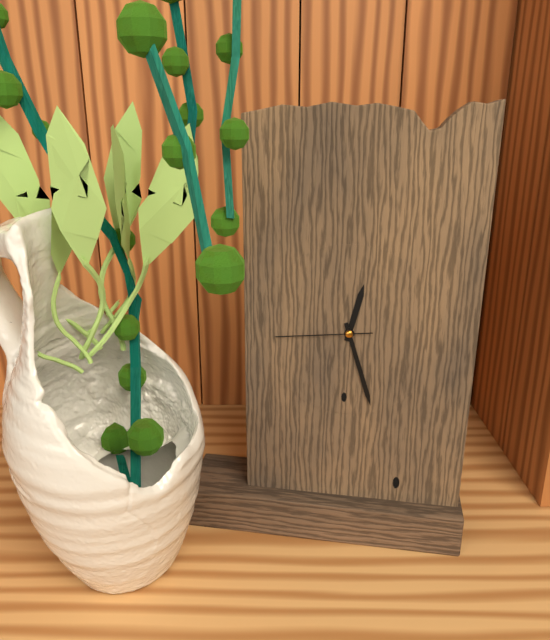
12:27:44
